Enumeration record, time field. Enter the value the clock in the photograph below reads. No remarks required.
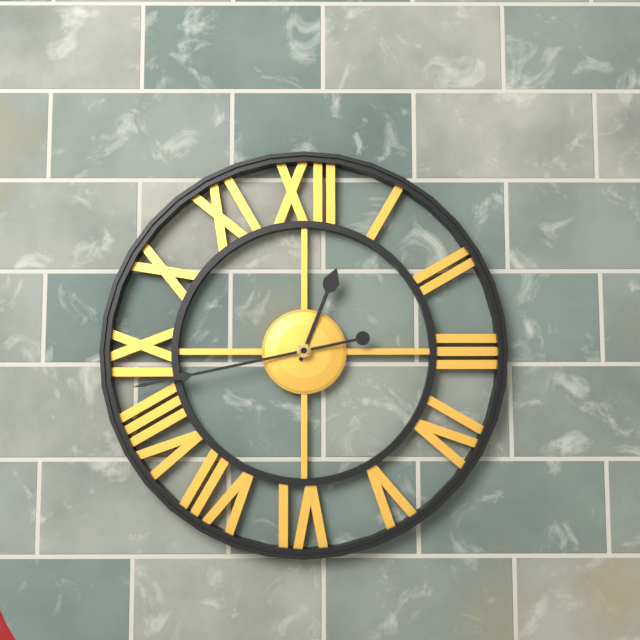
12:43
